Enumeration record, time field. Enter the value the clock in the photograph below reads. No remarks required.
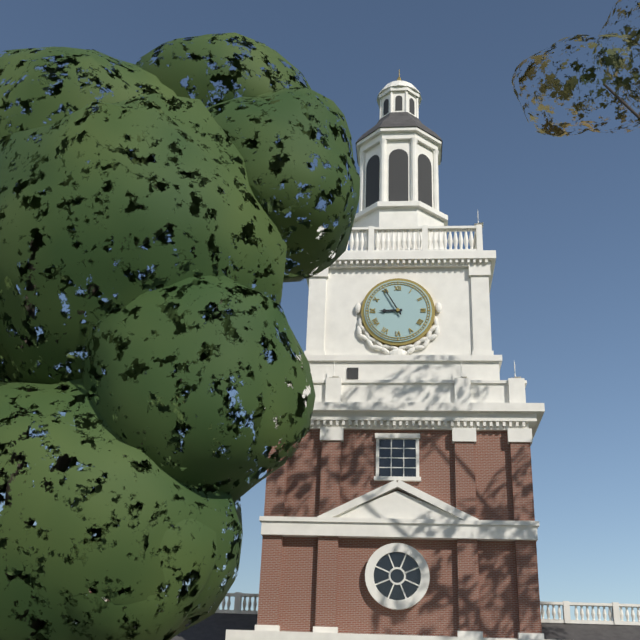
8:55
